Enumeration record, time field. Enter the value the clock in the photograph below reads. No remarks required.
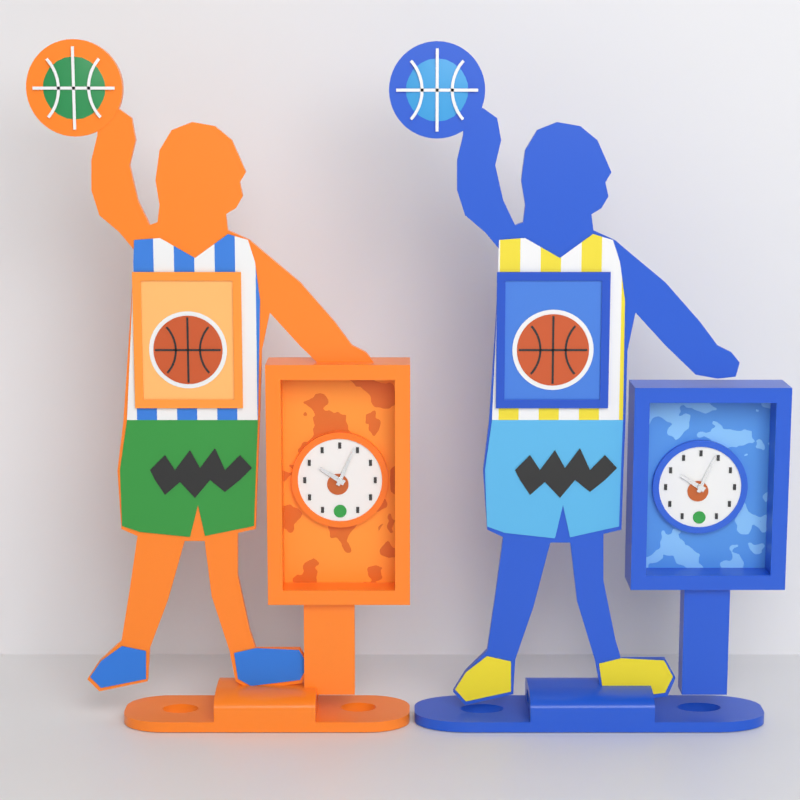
10:04
